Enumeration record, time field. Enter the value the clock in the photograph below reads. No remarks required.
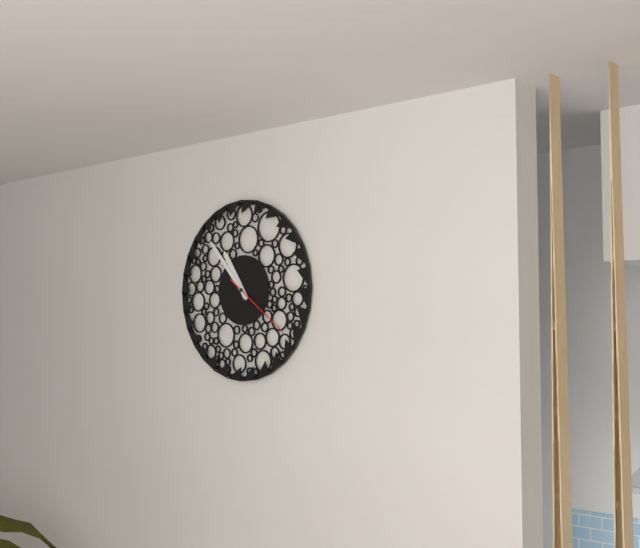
10:53:21
